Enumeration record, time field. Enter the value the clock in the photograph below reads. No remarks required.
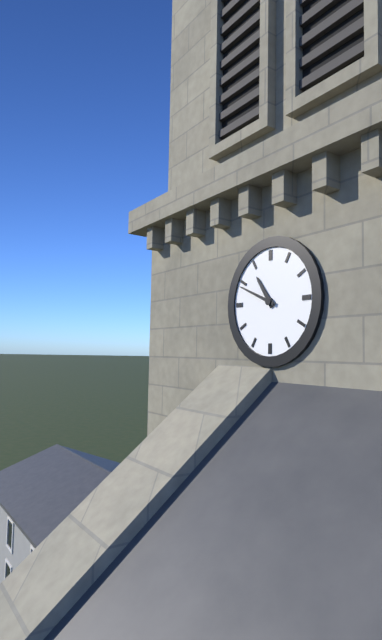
10:49
